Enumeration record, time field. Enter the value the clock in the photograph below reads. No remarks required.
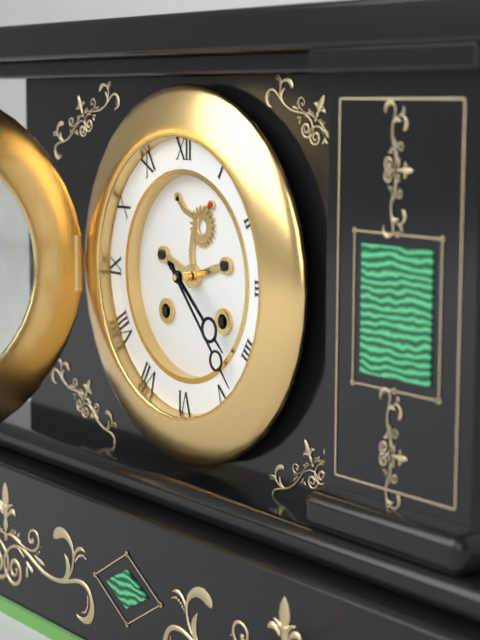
4:23
